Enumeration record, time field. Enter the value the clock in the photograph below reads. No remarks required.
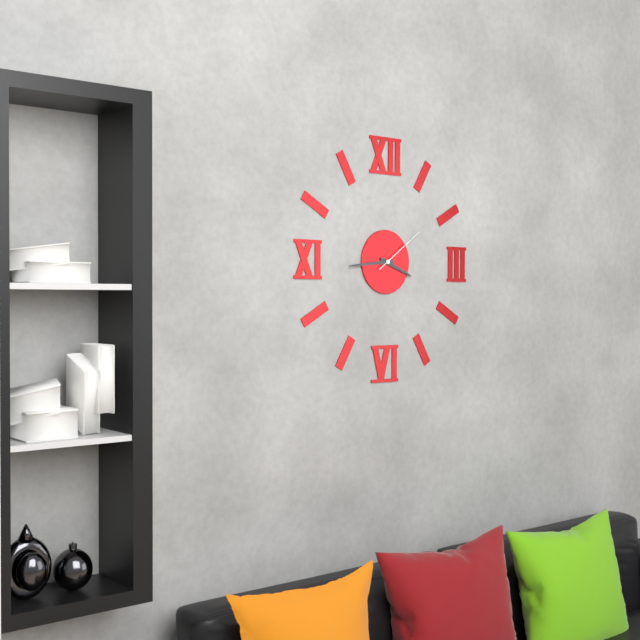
3:44:09
